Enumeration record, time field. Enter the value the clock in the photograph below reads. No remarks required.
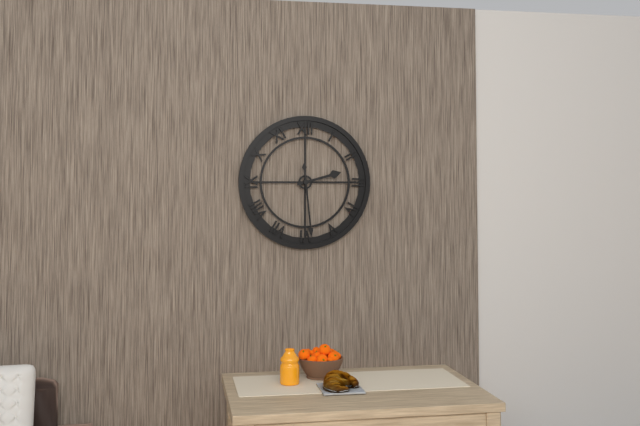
2:29
